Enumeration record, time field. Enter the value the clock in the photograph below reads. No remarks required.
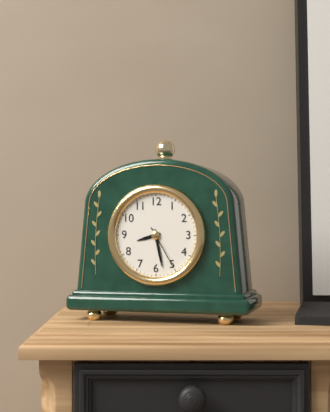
8:28
